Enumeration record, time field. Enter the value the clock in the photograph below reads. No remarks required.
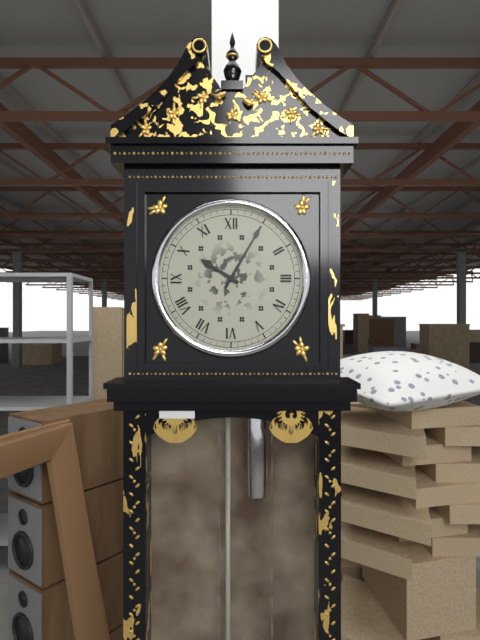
10:05
